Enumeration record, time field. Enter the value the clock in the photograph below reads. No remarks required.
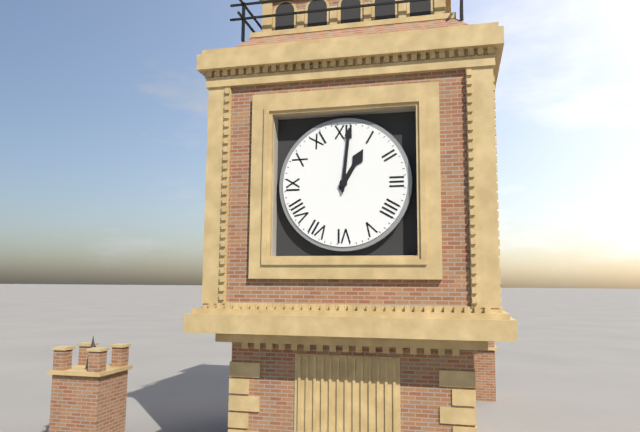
1:01
